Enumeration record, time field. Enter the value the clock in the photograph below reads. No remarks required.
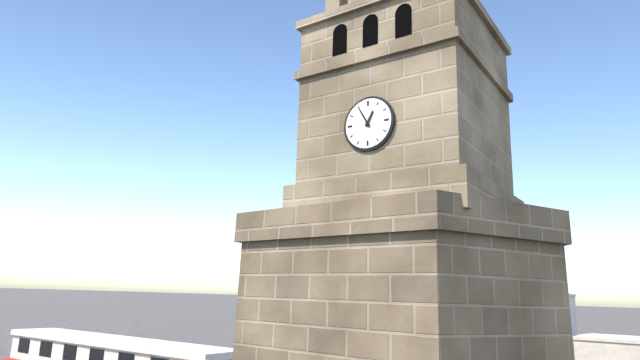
12:55
